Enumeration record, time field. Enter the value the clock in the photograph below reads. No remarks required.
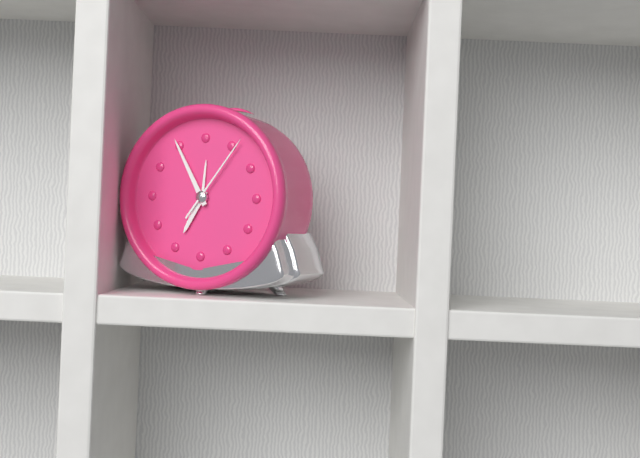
6:55:06
